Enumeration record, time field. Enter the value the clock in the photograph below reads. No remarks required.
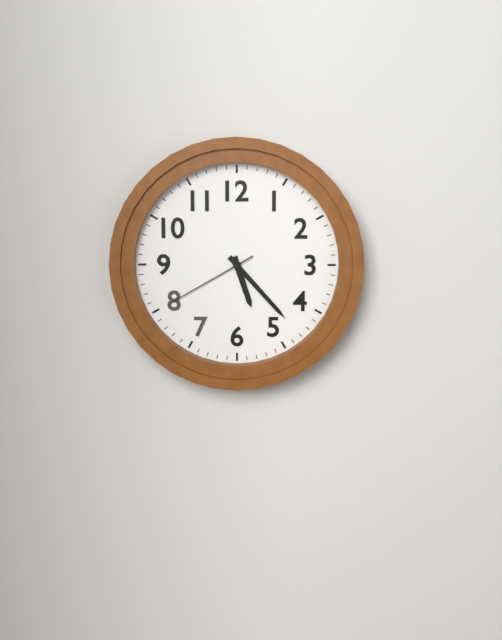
5:23:40
